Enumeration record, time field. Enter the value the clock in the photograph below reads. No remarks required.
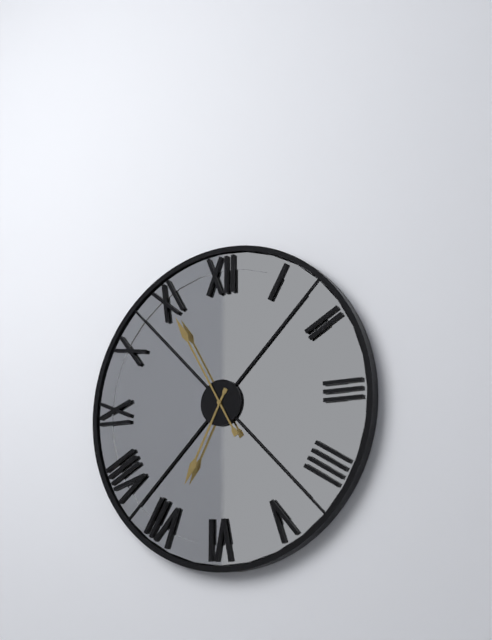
6:55
